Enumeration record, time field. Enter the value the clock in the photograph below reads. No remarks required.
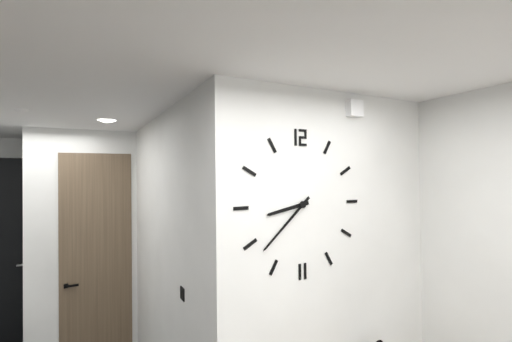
8:38
